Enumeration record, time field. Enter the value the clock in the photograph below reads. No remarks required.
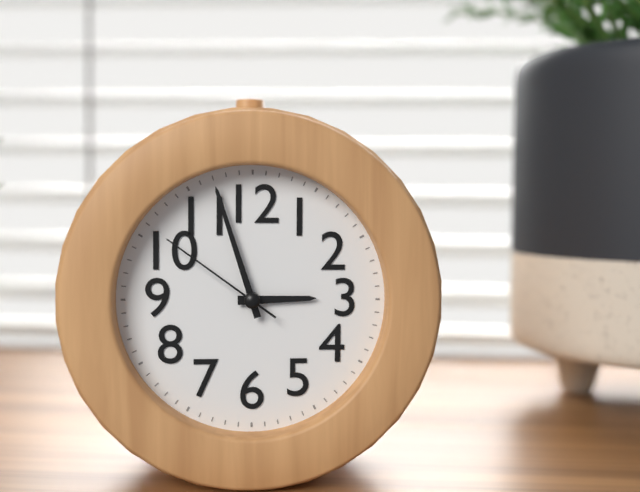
2:57:51
